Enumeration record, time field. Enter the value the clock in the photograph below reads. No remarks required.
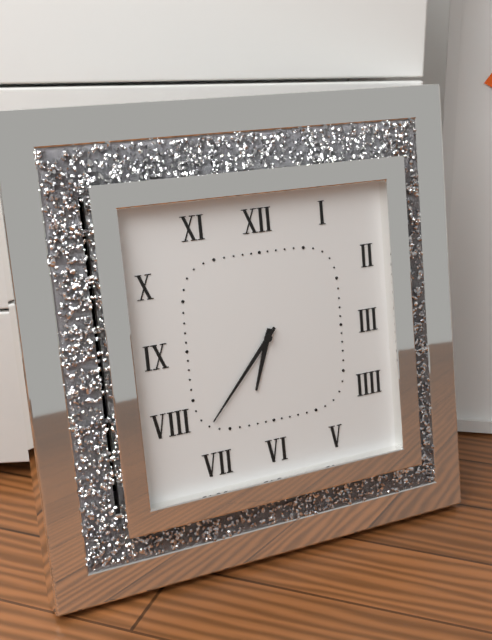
6:37
